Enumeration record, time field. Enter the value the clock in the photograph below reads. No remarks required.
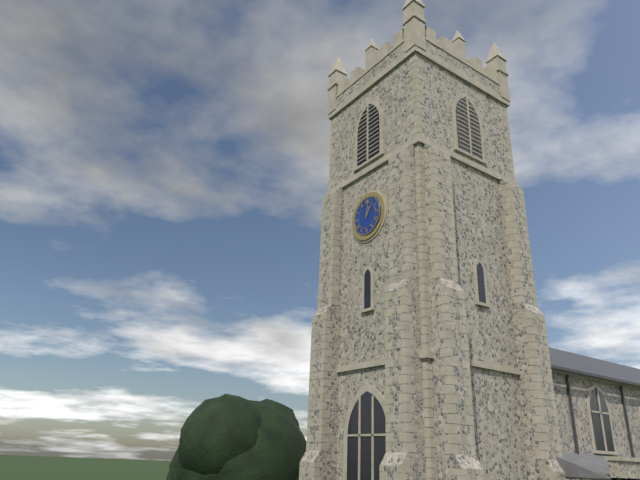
1:02
